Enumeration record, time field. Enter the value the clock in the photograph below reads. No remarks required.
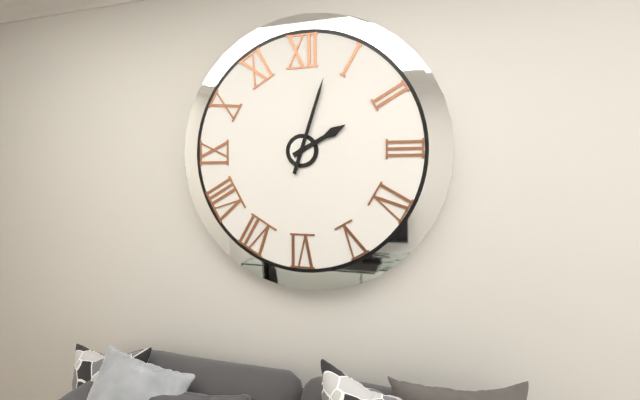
2:03
